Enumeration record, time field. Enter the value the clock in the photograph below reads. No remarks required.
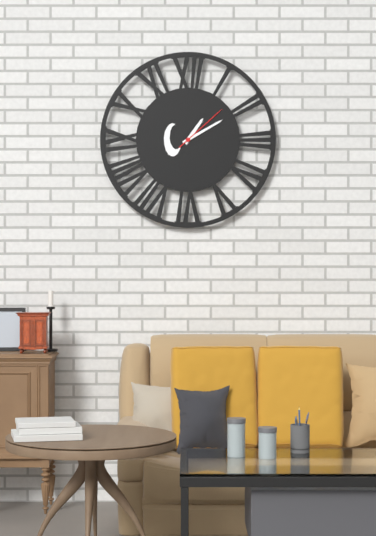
1:10:08
